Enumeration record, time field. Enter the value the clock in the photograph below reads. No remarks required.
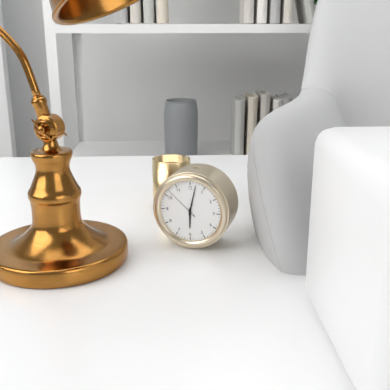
6:02
